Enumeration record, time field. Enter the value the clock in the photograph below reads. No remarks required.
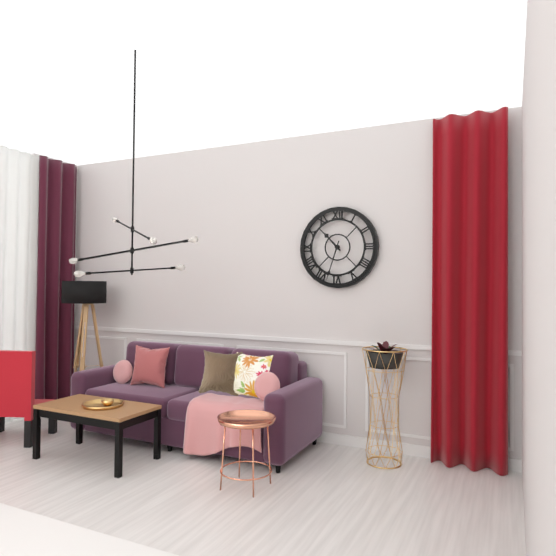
10:33
